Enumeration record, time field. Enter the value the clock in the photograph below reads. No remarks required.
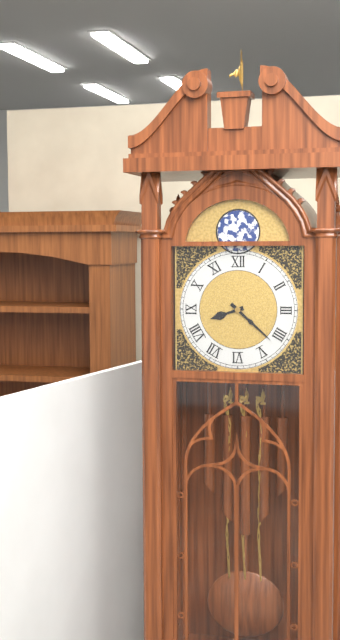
8:22
